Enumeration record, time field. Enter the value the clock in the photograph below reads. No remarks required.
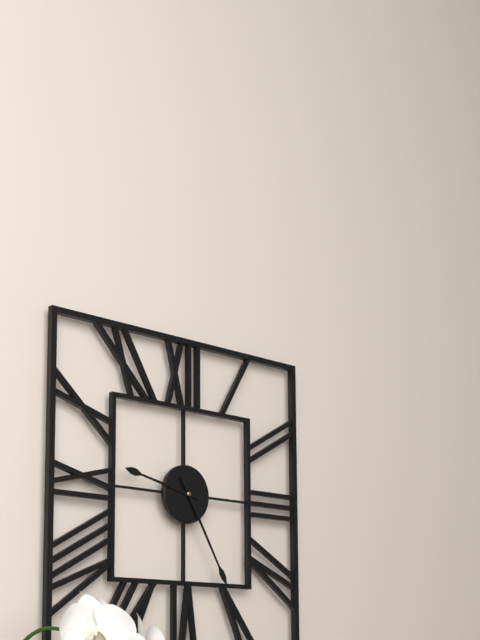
9:25
